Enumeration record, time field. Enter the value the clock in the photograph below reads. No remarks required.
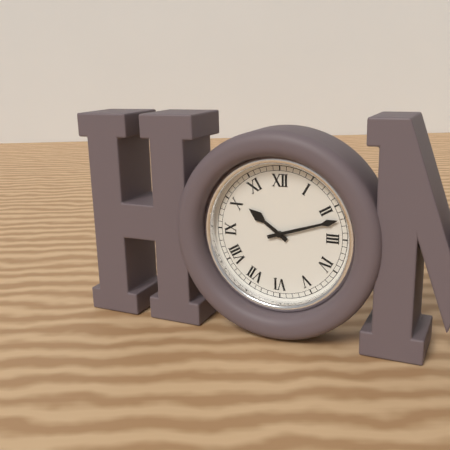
10:12
